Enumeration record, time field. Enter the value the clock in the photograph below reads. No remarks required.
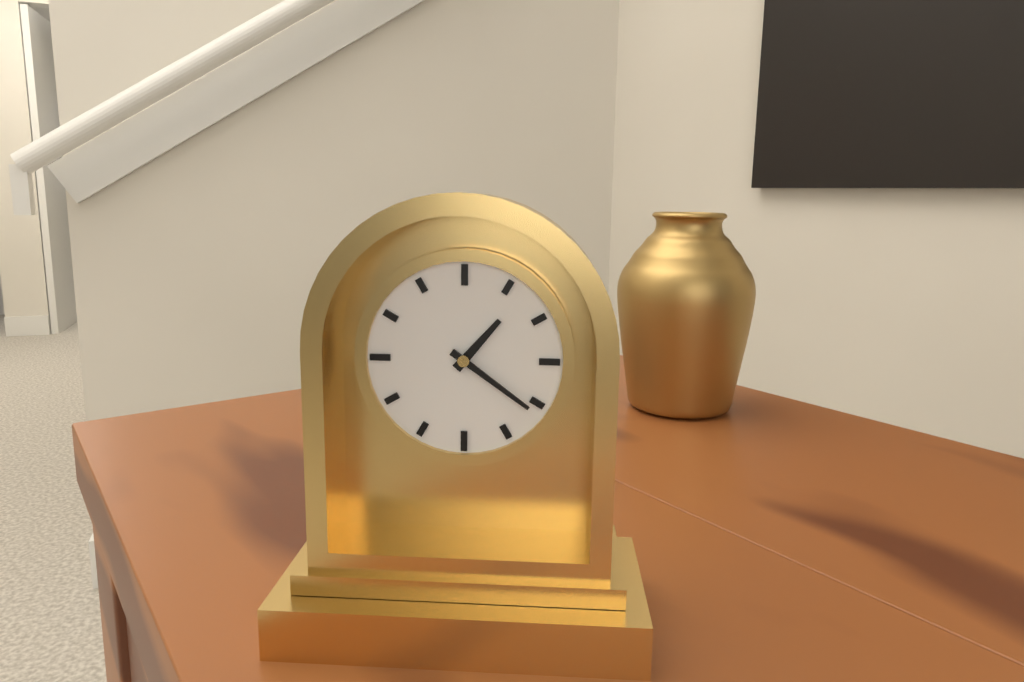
1:21
